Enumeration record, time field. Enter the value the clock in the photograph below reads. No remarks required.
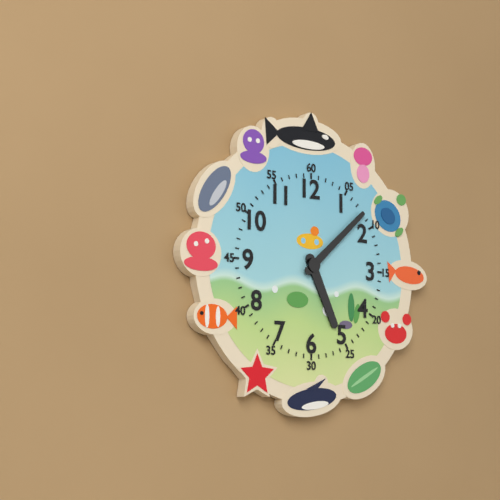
5:08
